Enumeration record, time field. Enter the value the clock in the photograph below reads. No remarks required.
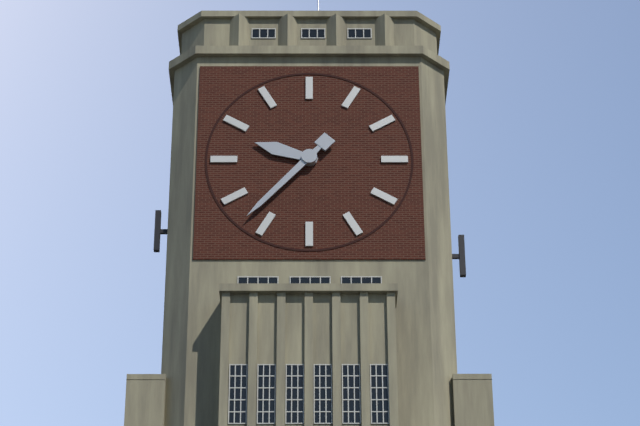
9:37
